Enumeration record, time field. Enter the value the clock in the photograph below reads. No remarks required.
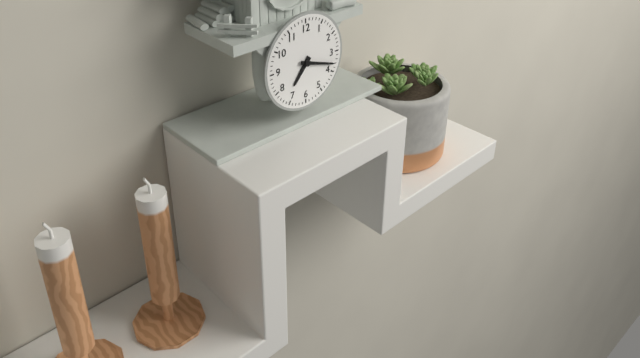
7:18
